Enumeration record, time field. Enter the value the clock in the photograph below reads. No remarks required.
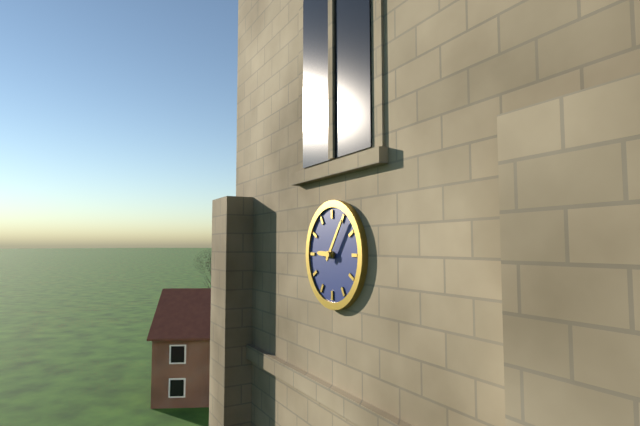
9:06
